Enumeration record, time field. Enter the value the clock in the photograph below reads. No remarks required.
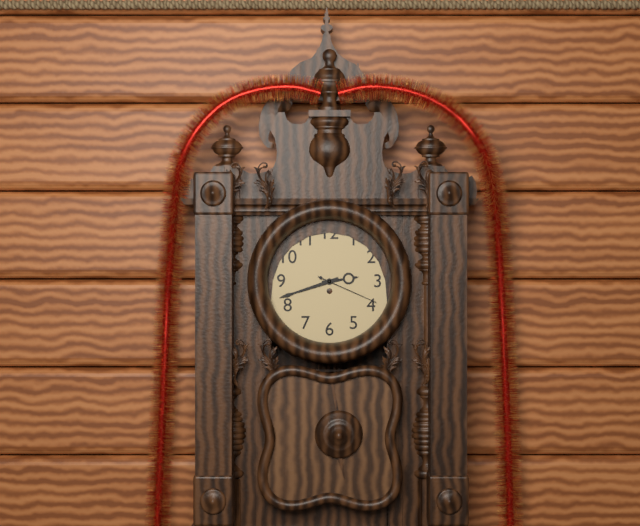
2:42:19
